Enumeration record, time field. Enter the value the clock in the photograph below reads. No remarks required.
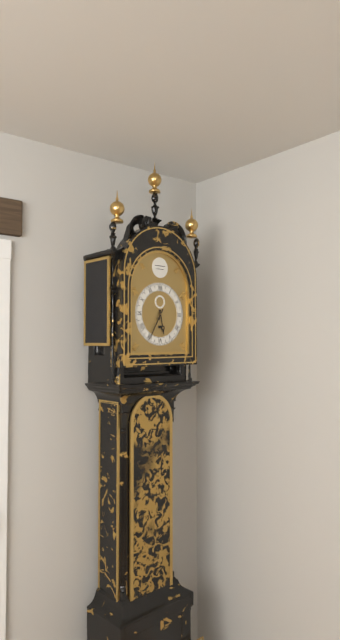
5:35
